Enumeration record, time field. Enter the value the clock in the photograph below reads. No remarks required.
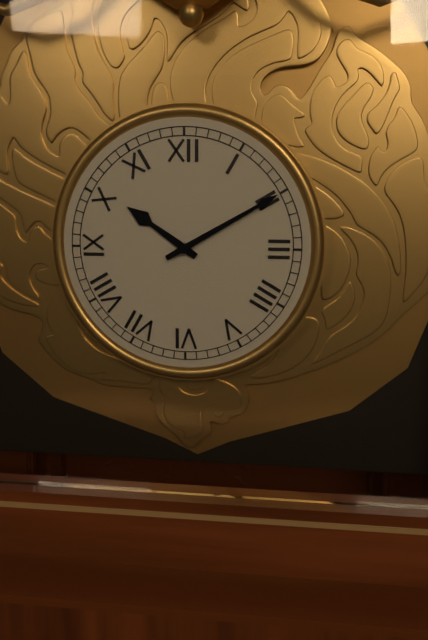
10:10
